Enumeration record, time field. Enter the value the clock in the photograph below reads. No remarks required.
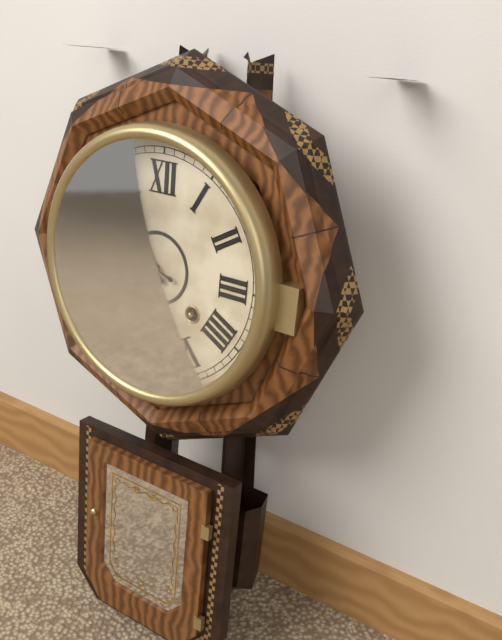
10:48
